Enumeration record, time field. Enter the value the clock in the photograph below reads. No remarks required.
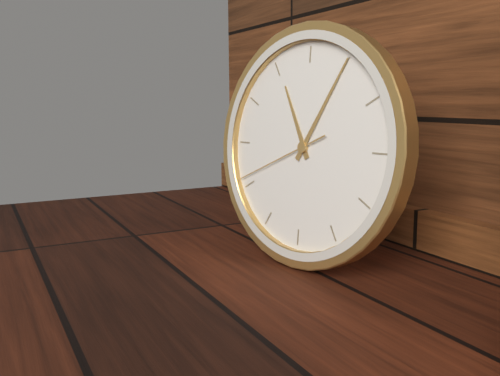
11:05:41
